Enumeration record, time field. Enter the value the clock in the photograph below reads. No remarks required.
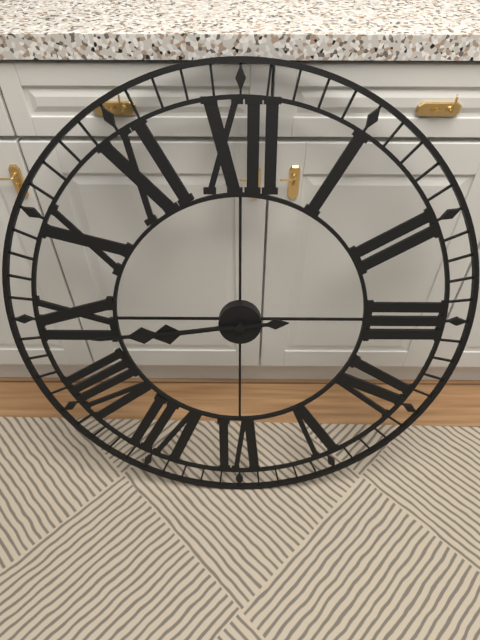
8:44
